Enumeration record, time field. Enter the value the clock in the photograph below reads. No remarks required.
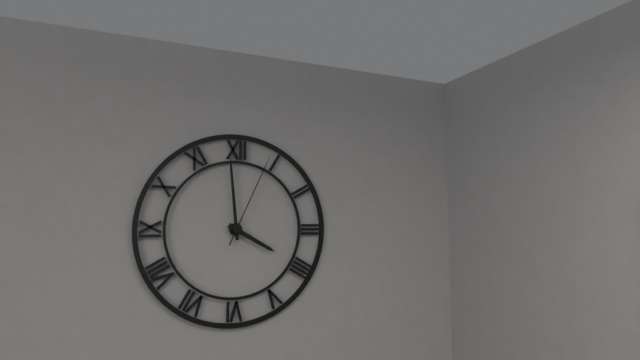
3:59:04
